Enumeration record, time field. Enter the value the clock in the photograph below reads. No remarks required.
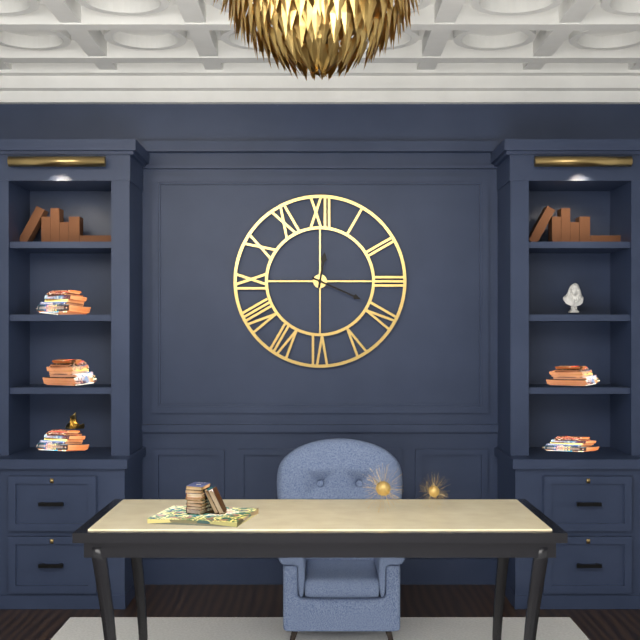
12:19
